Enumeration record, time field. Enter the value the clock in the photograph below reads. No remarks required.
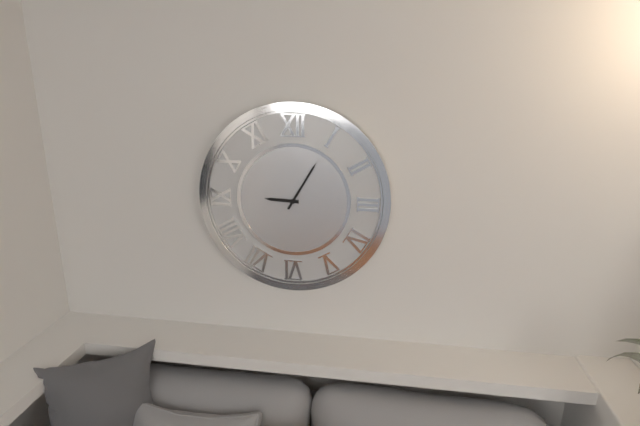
9:05
